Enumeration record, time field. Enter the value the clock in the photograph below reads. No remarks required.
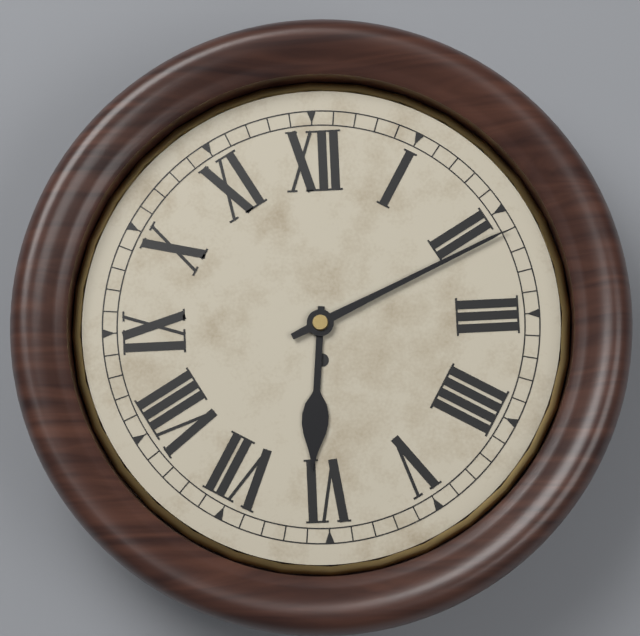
6:11
